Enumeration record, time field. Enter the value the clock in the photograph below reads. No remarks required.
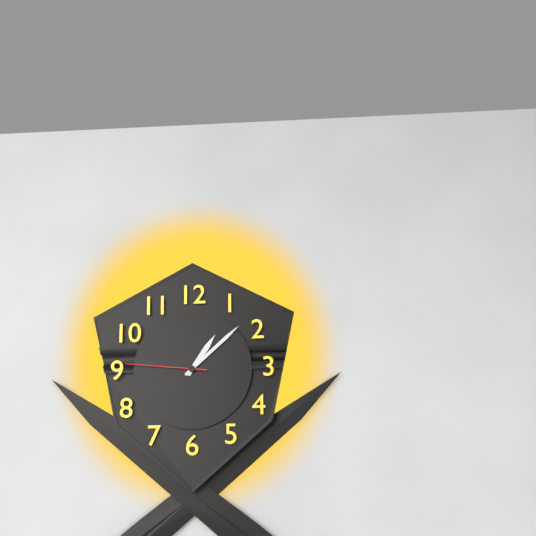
1:08:46
